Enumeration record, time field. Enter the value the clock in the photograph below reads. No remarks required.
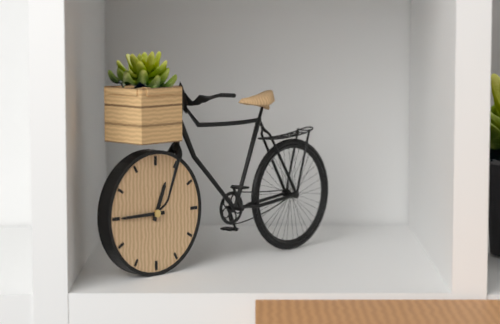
12:45
